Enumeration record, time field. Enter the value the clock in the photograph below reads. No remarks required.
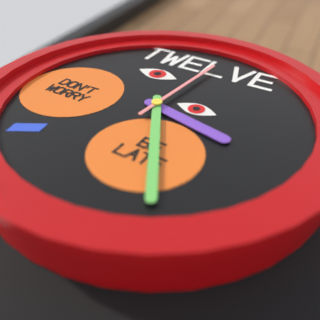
3:25:01
